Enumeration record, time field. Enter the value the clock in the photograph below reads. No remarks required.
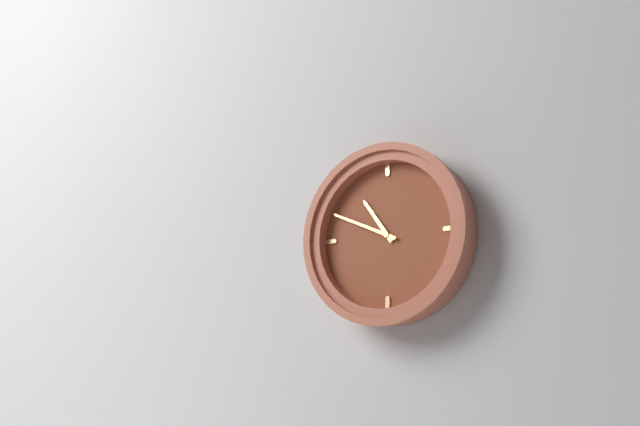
10:49
